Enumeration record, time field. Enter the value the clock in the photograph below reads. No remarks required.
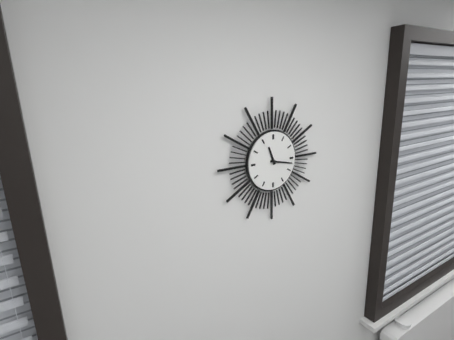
11:17
